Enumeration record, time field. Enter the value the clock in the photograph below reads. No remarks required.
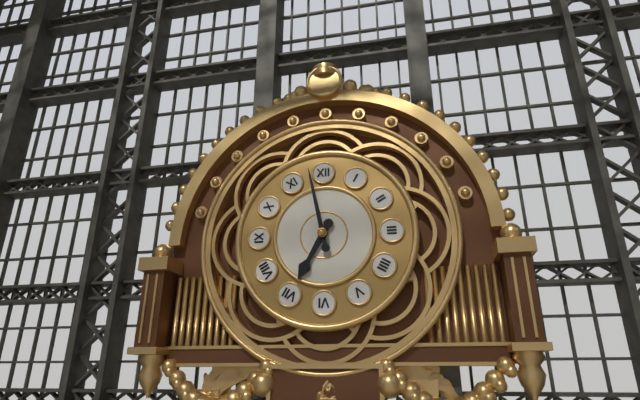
6:58
